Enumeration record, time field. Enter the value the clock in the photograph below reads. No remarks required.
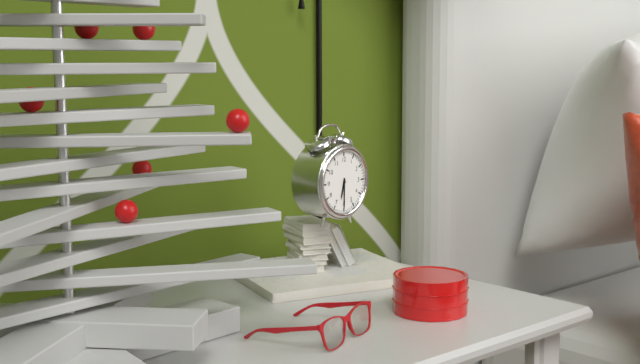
6:30
